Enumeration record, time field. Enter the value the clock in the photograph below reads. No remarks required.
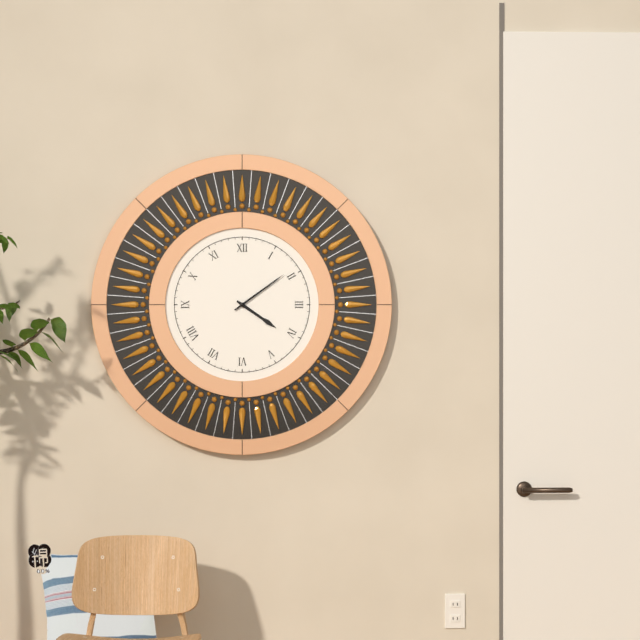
4:09
